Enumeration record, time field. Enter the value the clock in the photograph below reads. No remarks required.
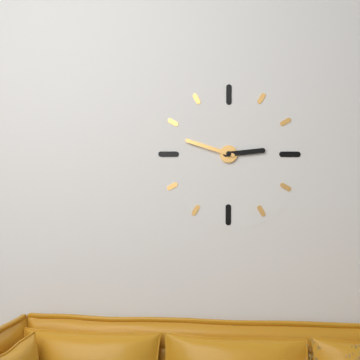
2:48
